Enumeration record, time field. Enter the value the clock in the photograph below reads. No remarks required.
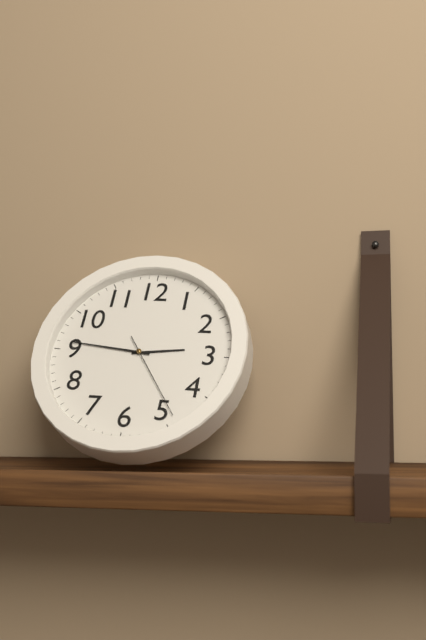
2:46:24
